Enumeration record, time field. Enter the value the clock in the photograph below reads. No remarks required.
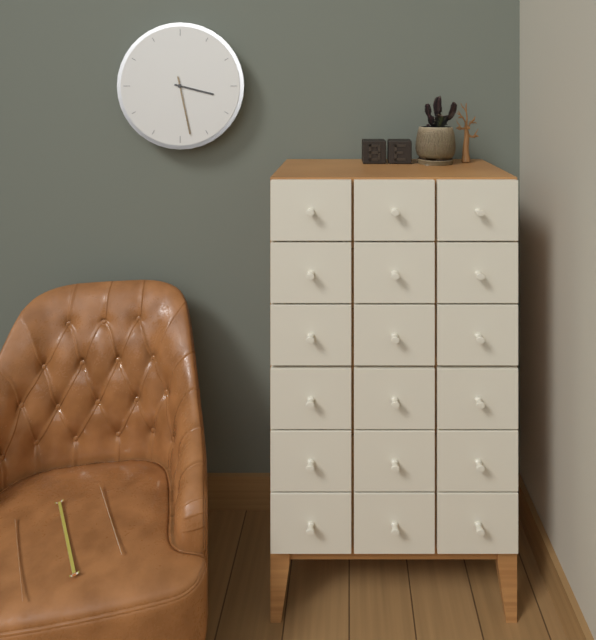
3:28
